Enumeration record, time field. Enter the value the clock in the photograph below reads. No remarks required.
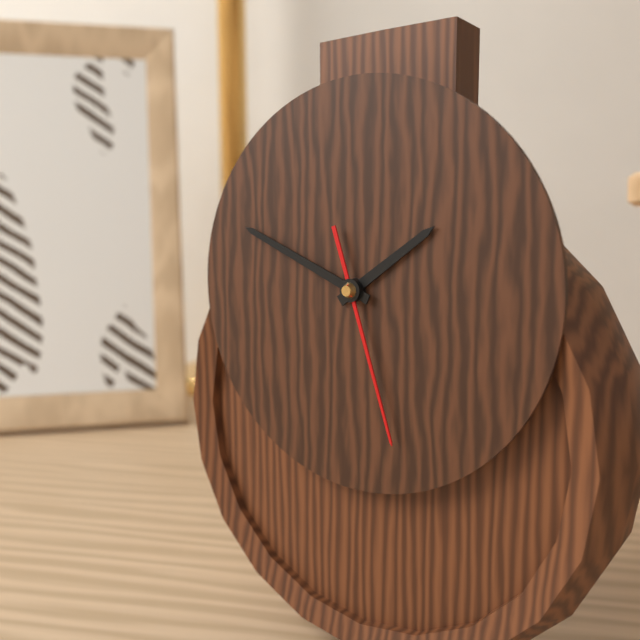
1:49:27
